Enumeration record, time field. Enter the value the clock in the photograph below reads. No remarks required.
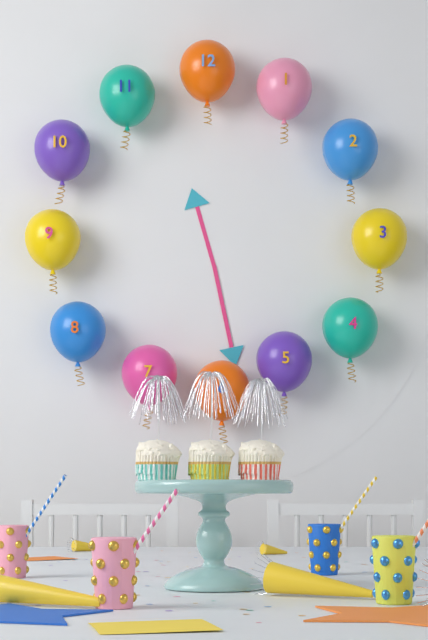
11:28
